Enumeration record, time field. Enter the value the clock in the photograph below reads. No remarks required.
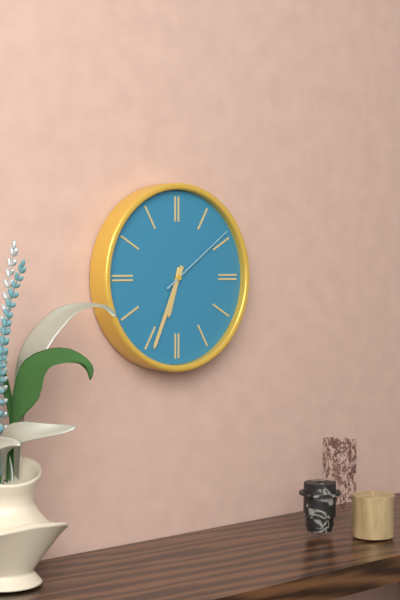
6:34:09
